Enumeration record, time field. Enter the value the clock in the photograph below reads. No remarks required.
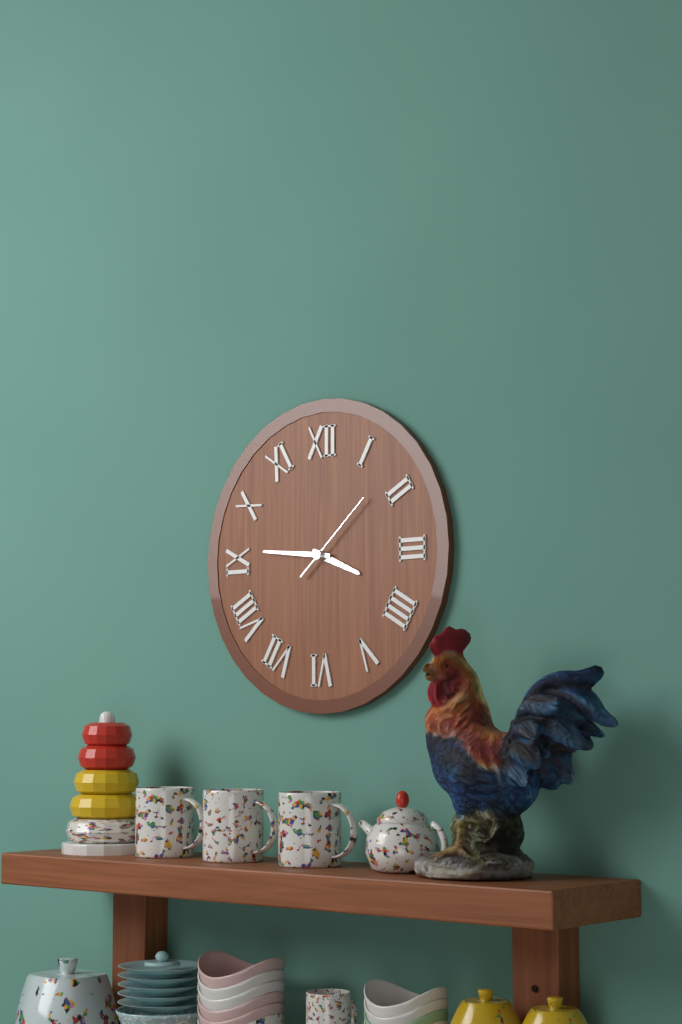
3:46:08
